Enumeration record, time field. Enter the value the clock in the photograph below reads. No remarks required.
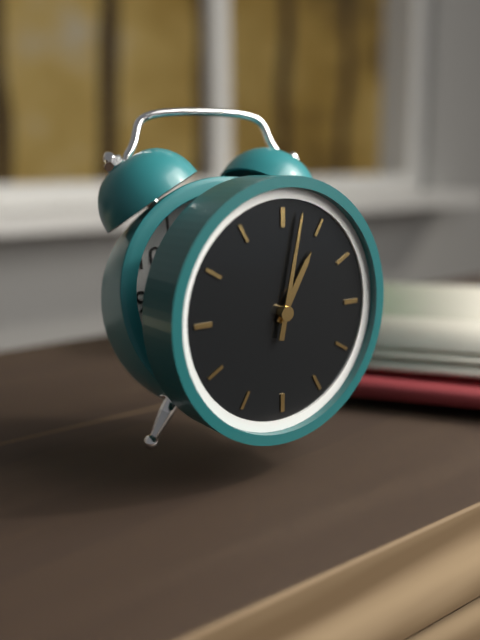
1:02
